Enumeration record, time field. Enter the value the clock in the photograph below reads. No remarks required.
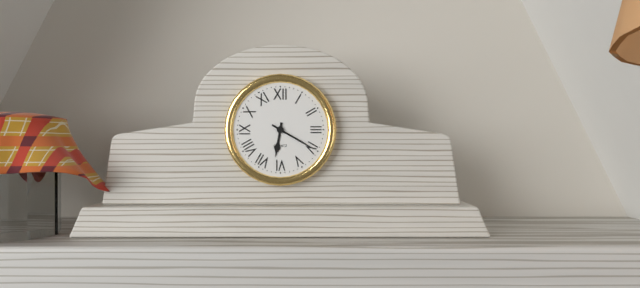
6:20
